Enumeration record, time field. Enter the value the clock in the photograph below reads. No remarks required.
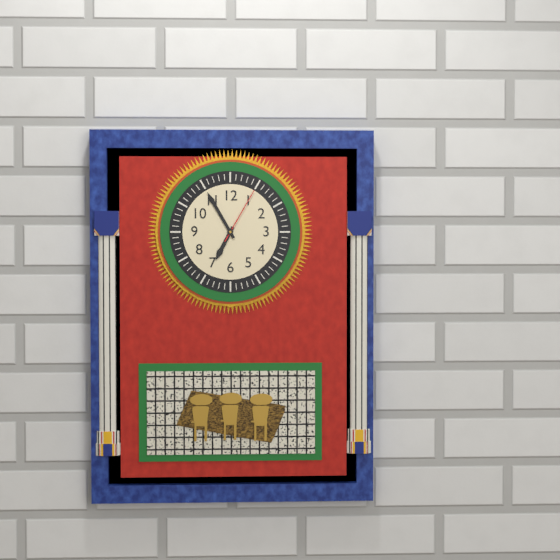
6:55:05
